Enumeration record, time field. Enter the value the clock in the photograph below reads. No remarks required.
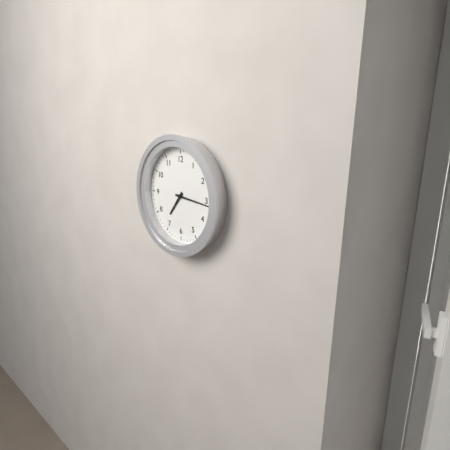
7:16
